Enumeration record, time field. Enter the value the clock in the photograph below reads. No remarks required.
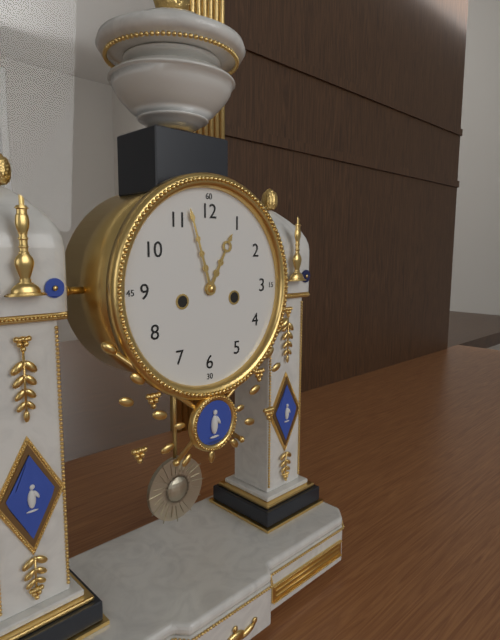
12:57
